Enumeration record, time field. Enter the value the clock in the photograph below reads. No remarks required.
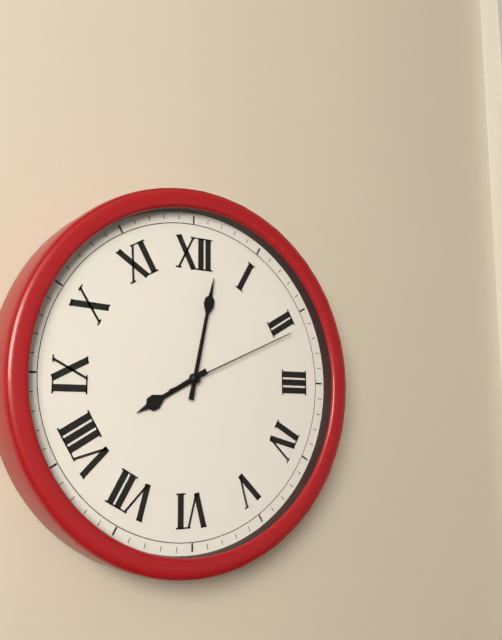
8:02:11
